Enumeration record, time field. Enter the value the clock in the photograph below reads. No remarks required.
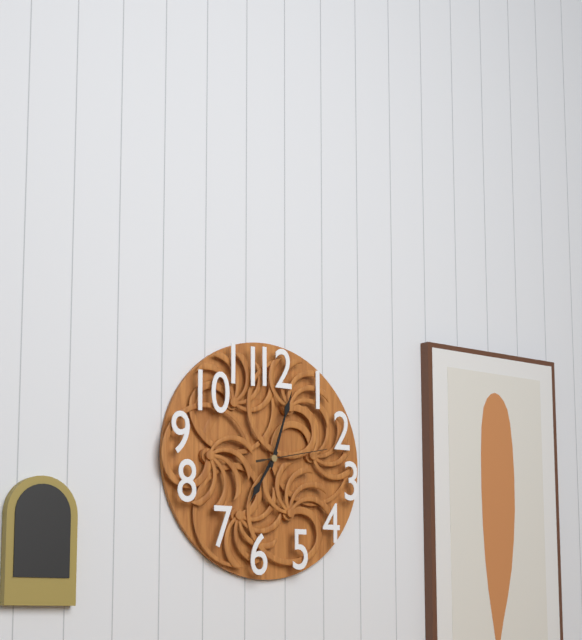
7:03:13
